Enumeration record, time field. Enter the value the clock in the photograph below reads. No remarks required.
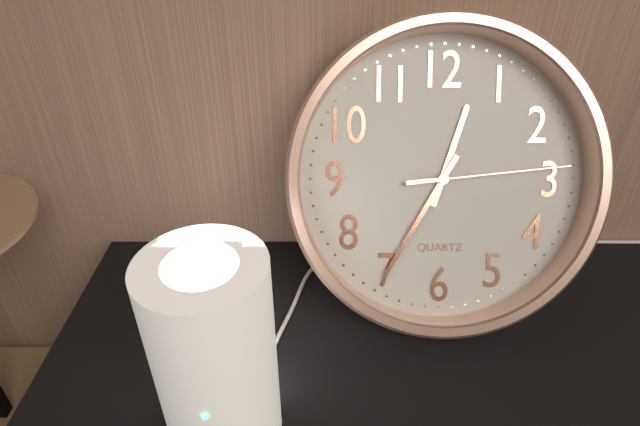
12:35:14
